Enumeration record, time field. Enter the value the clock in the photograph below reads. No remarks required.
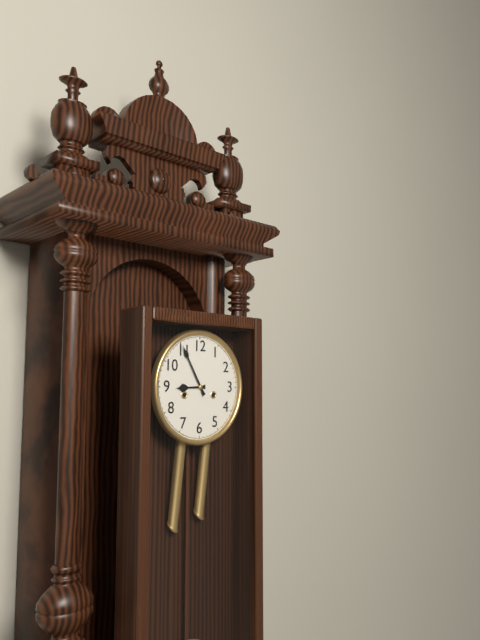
8:55
